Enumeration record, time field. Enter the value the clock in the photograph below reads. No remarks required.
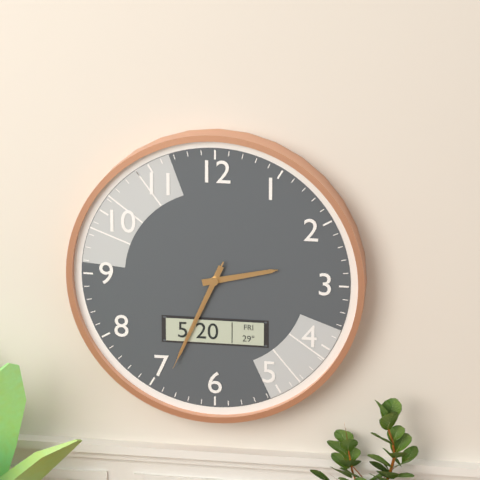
2:34:34
